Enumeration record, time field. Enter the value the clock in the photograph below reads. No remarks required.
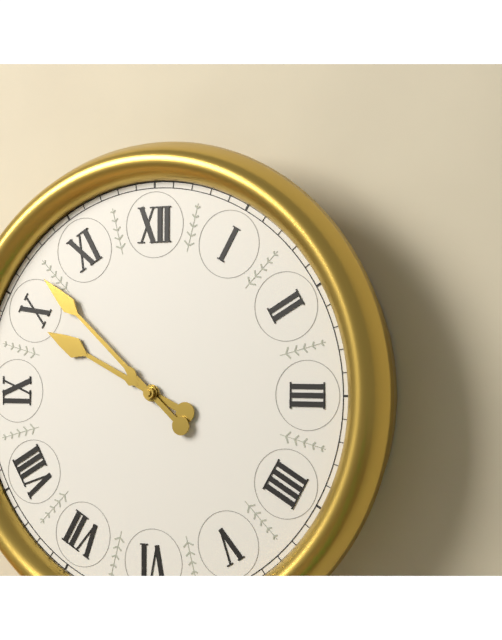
9:52
